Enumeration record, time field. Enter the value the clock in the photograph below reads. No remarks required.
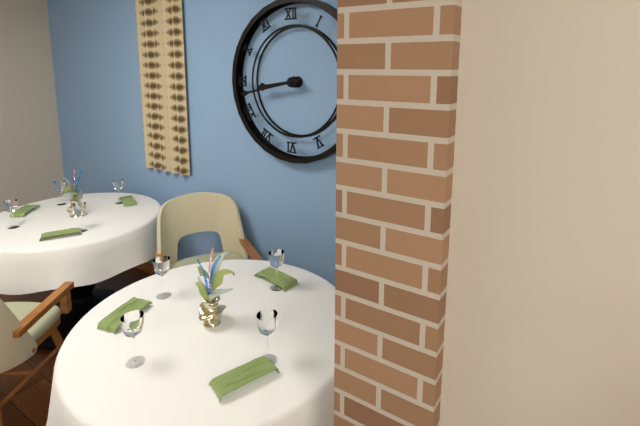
8:43
